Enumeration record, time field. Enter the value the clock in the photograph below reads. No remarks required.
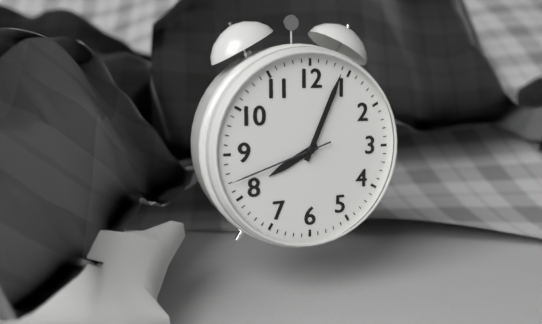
8:04:42
